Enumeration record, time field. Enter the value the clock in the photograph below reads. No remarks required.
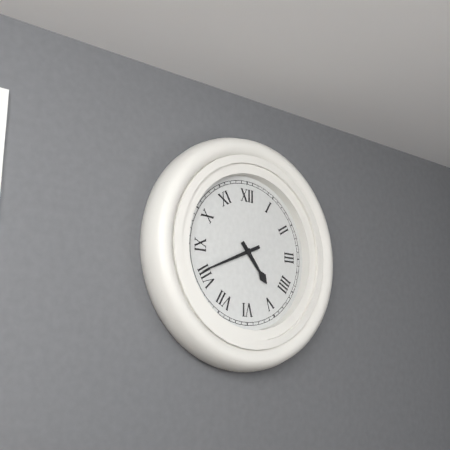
4:41
